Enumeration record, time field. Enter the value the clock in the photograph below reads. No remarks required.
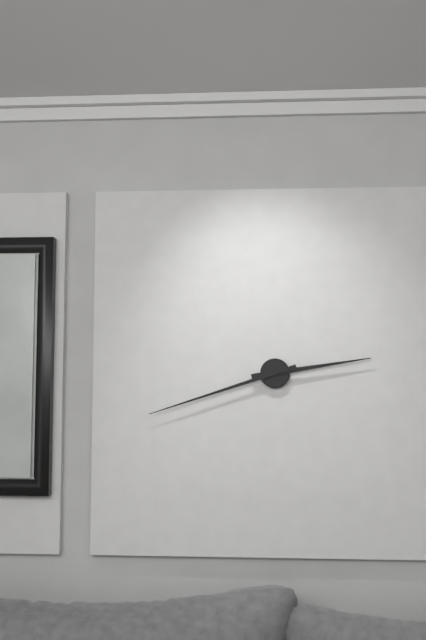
2:42
